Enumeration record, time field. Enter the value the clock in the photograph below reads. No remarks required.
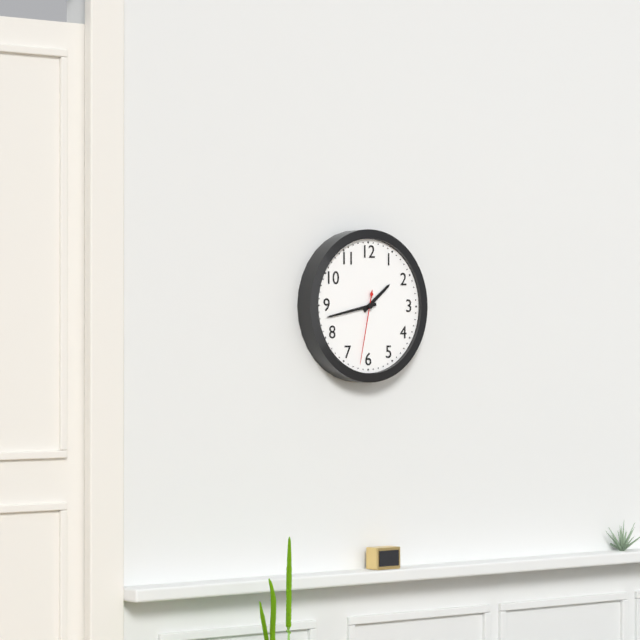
1:43:32
